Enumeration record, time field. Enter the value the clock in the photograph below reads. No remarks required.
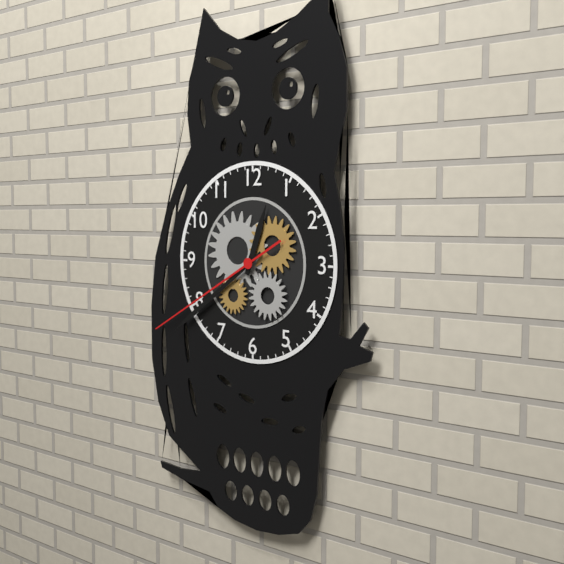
12:39:40
